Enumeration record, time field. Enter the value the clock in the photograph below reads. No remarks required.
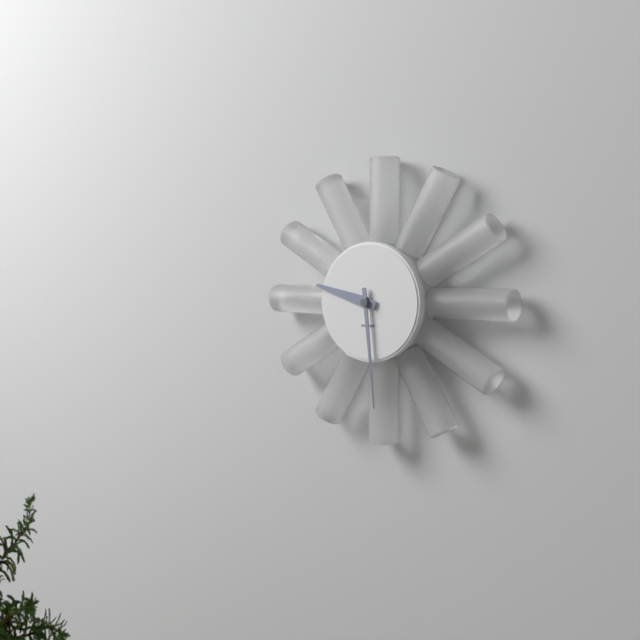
9:29
